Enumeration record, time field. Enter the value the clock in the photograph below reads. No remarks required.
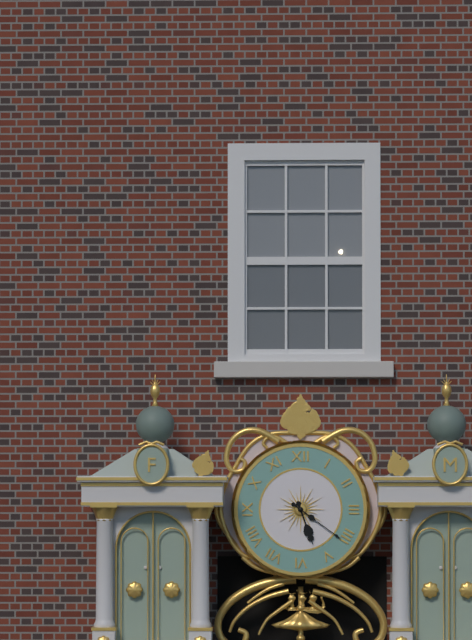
5:21
